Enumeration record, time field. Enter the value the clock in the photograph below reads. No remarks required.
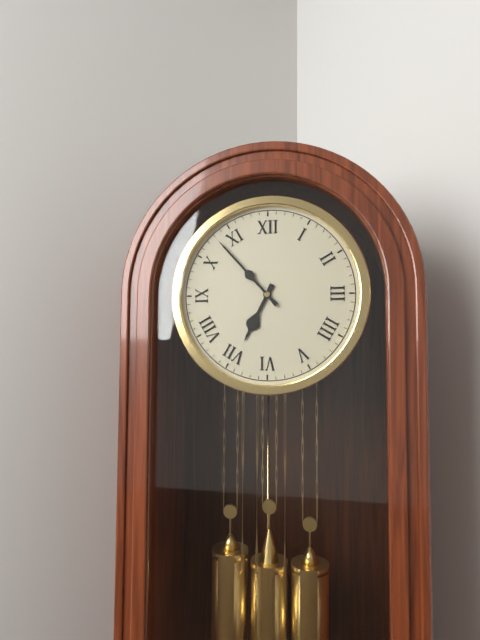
6:53
